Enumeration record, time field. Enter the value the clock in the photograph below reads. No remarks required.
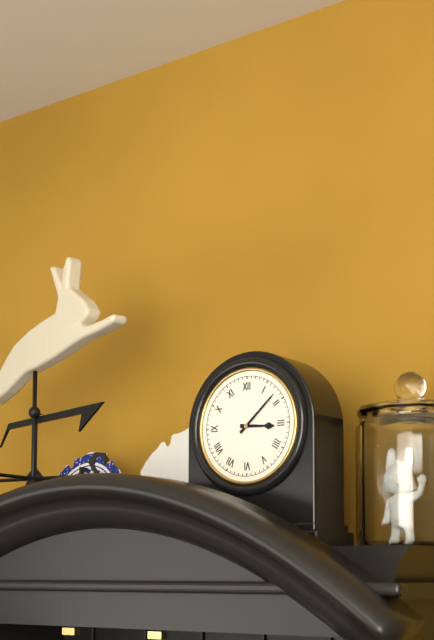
3:08
